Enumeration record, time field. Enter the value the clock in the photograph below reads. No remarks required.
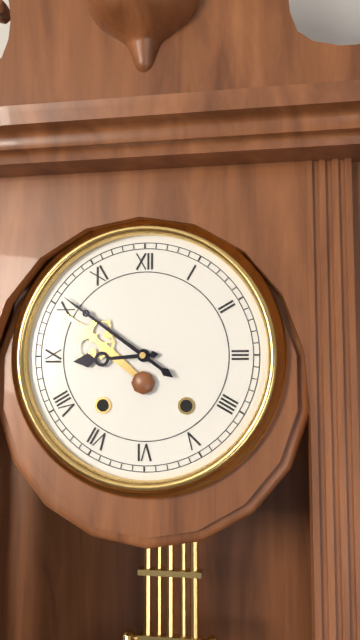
8:51
